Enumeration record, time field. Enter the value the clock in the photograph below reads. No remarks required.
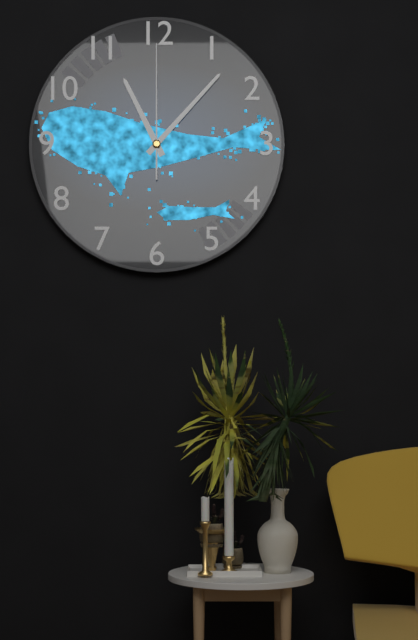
11:07:00
